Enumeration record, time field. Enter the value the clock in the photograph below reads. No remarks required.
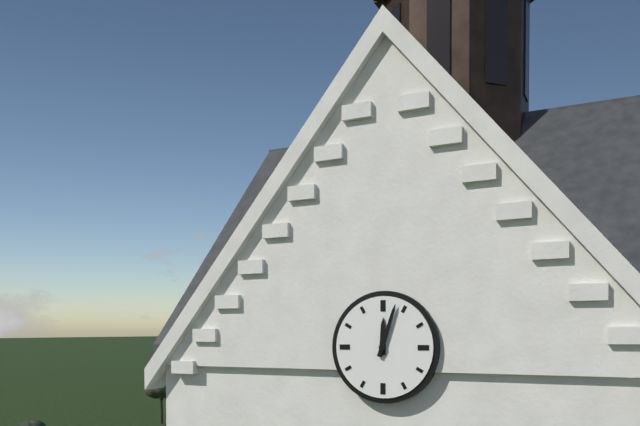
12:03
